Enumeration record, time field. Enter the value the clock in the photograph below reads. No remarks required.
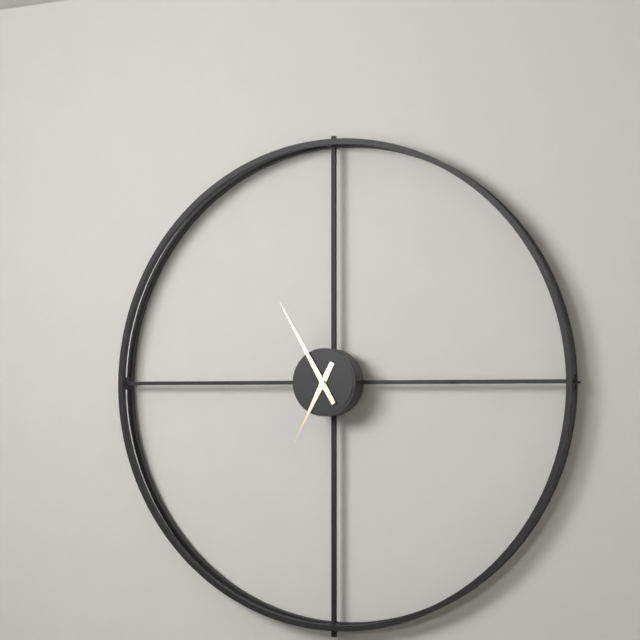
6:55
